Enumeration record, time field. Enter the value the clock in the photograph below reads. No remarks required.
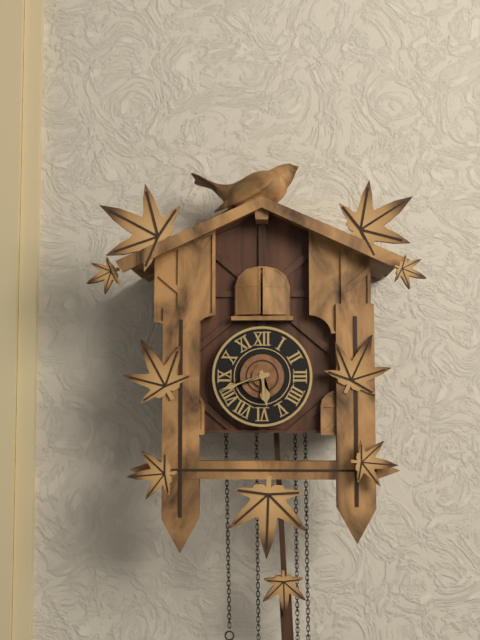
5:42
